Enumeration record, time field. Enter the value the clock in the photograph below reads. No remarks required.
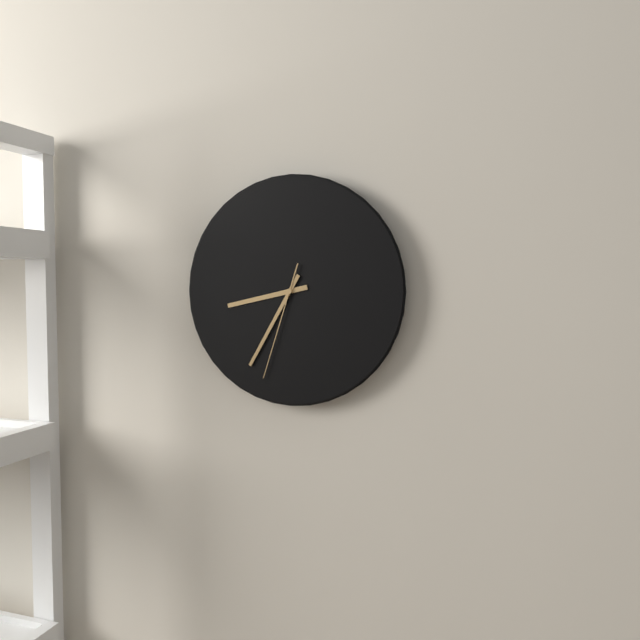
8:35:33
